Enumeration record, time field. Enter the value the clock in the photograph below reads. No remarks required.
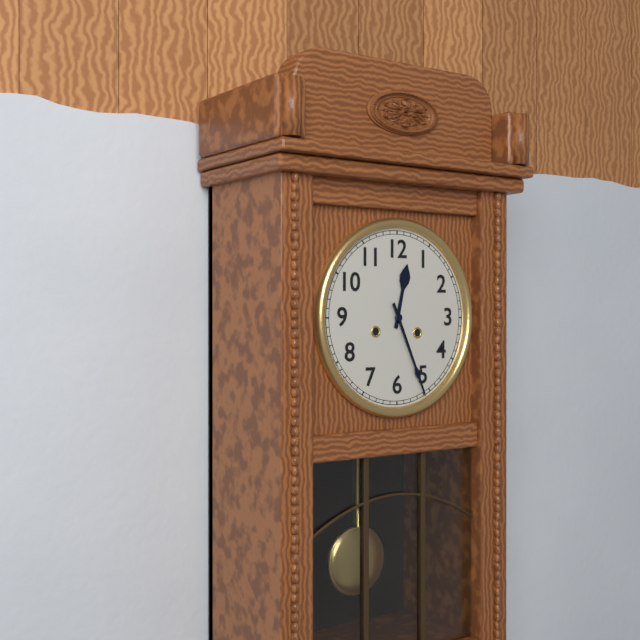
12:26
